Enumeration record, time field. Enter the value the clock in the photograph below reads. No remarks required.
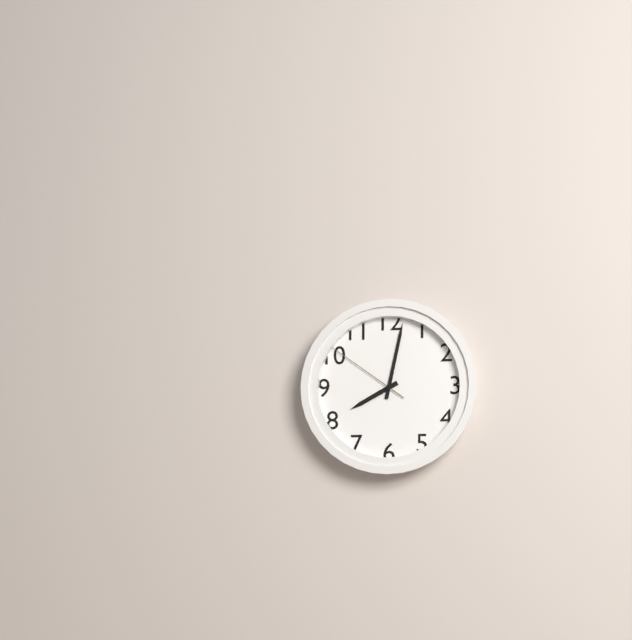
8:02:51
